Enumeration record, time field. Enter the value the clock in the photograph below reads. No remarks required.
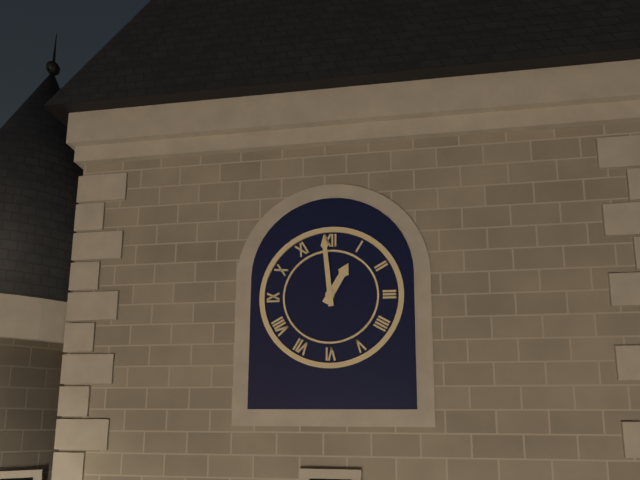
12:59
